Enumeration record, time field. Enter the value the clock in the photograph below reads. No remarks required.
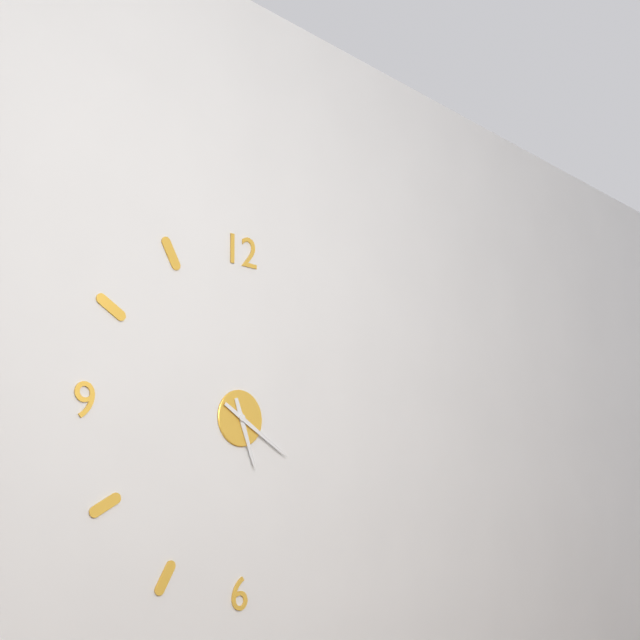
5:20
